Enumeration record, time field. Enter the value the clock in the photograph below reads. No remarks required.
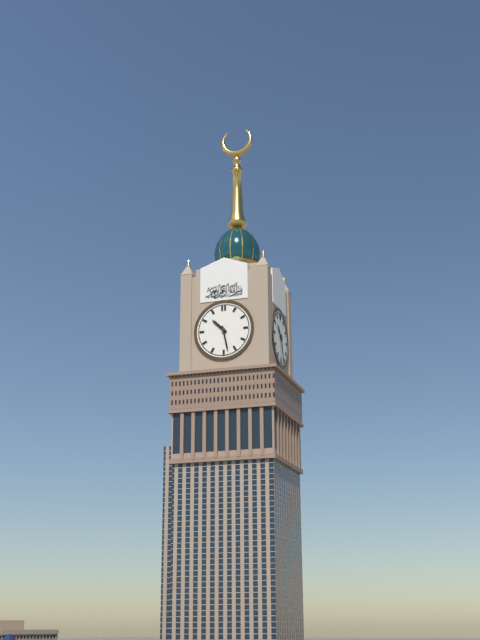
10:28
